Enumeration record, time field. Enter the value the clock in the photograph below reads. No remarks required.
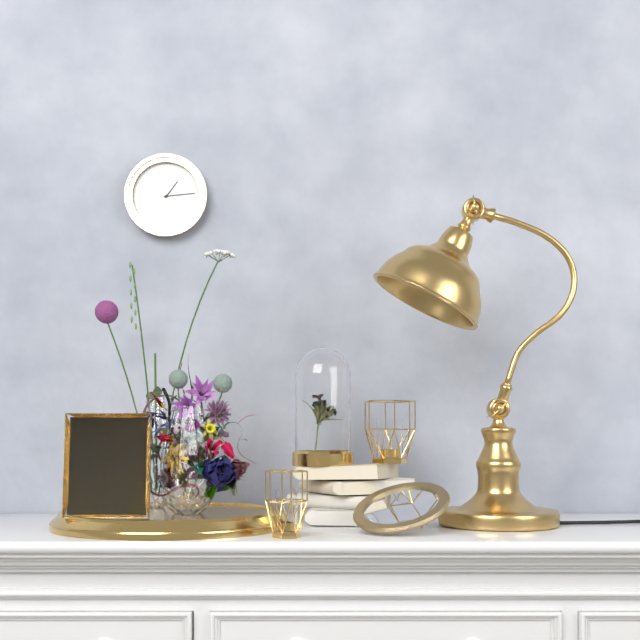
1:14
